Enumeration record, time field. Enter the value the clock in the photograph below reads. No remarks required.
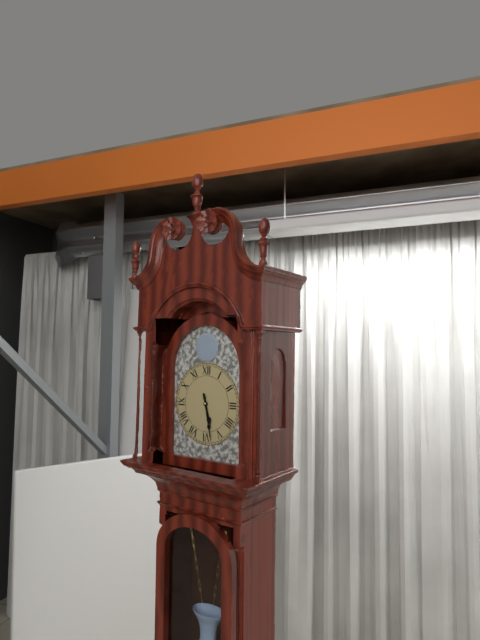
5:28
